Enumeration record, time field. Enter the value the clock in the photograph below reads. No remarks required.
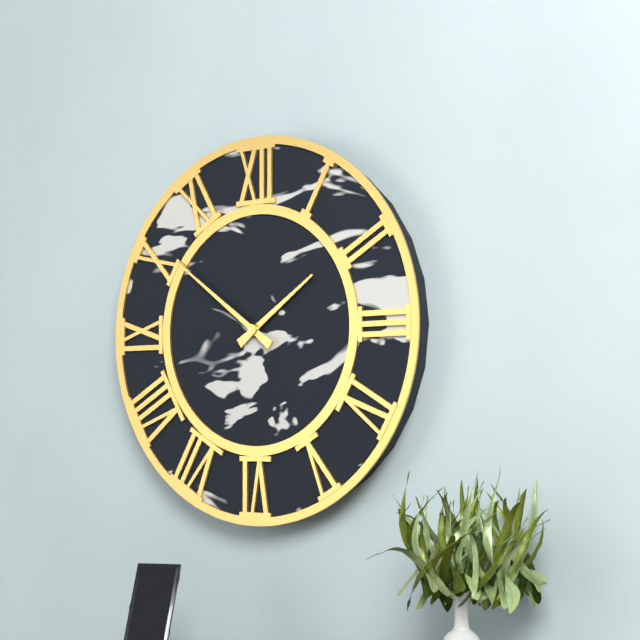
1:51
